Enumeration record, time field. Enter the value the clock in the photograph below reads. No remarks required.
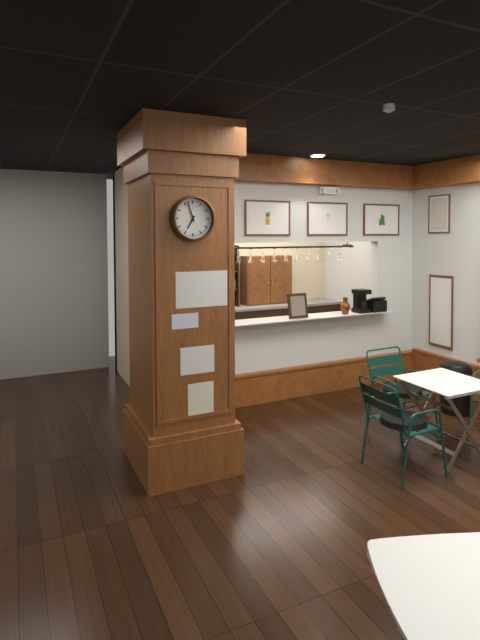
6:57
